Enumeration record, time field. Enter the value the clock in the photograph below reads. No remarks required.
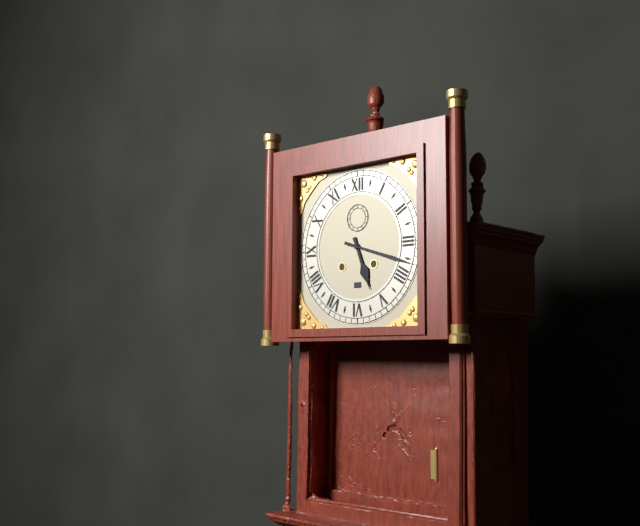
5:18
